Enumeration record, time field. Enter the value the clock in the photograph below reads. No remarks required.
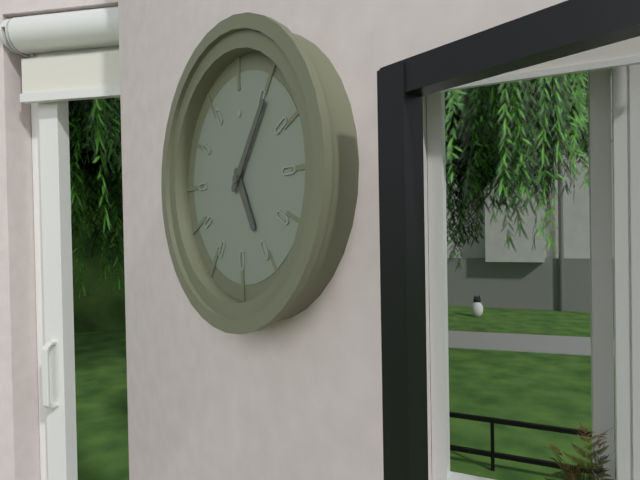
5:06
